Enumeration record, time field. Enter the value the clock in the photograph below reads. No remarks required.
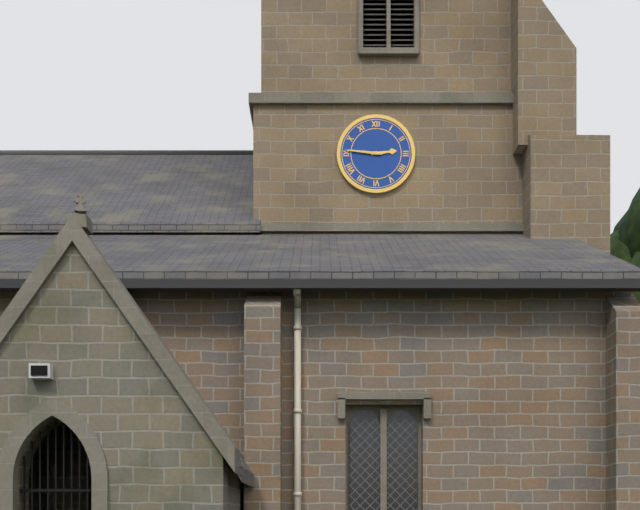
2:46
